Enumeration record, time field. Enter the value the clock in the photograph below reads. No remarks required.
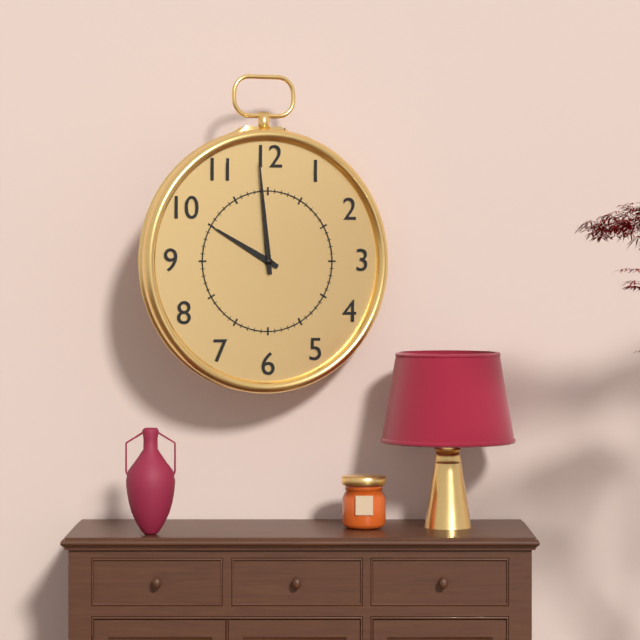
9:59
